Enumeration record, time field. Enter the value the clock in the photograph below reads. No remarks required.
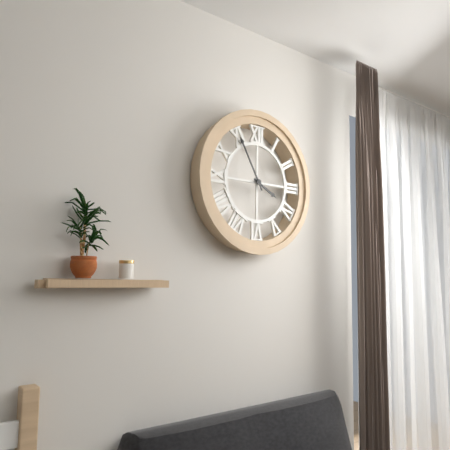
3:55
